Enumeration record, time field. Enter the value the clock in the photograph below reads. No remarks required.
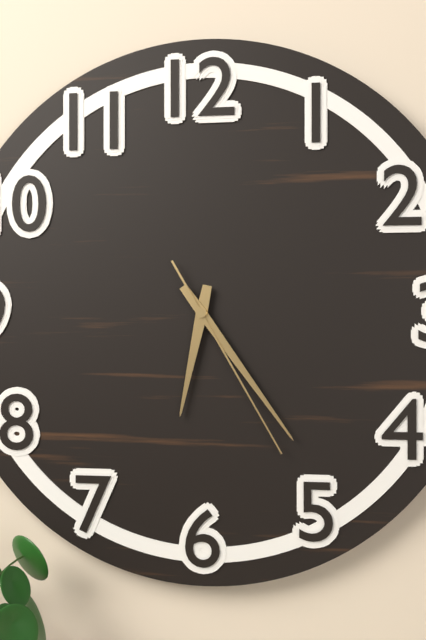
6:24:25
